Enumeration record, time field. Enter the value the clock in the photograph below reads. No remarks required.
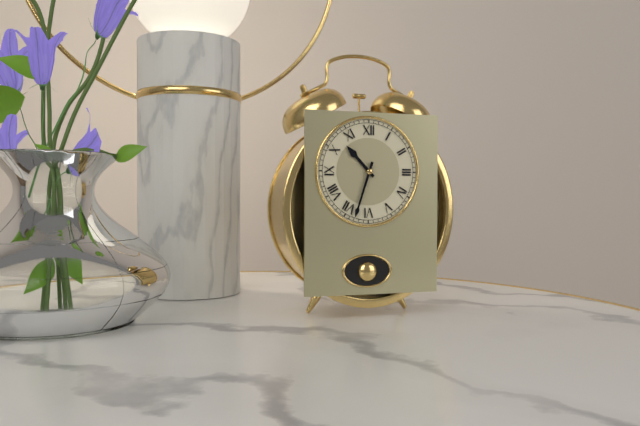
10:33
